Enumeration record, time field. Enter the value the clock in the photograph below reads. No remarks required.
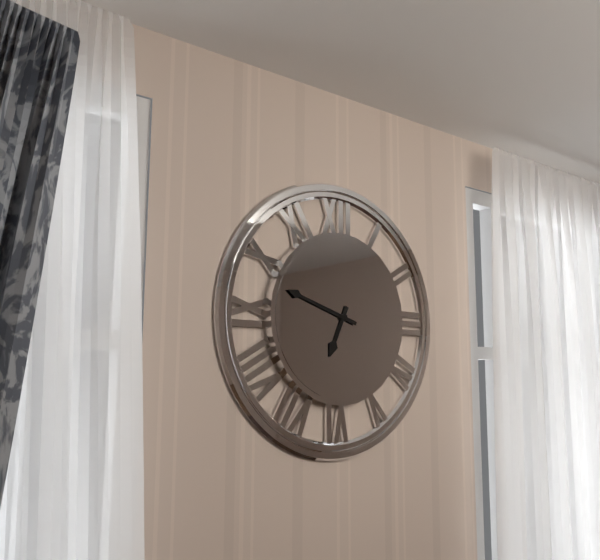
6:48
